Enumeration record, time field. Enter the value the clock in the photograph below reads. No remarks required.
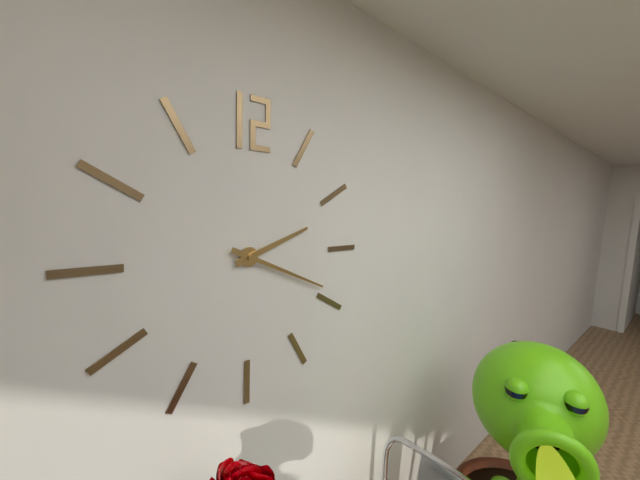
2:19
